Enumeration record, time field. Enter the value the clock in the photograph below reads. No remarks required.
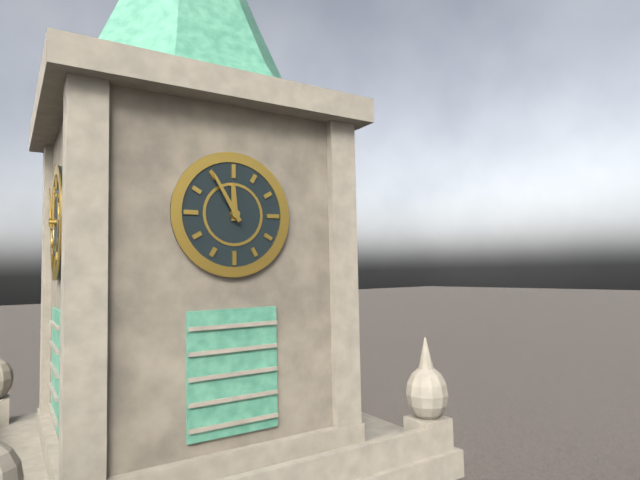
11:55
